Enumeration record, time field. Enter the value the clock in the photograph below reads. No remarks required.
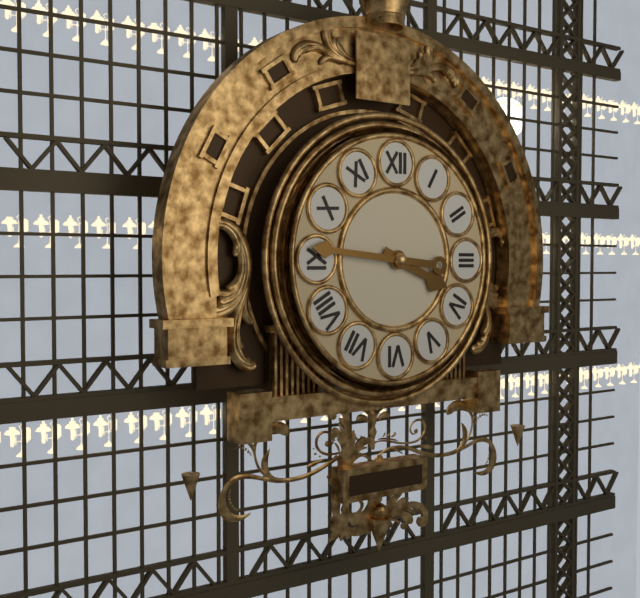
3:46
